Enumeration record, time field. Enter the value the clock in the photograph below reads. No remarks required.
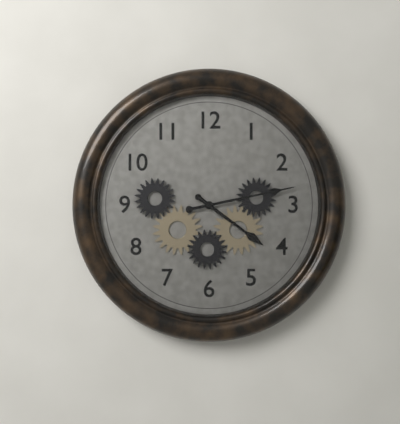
4:13
